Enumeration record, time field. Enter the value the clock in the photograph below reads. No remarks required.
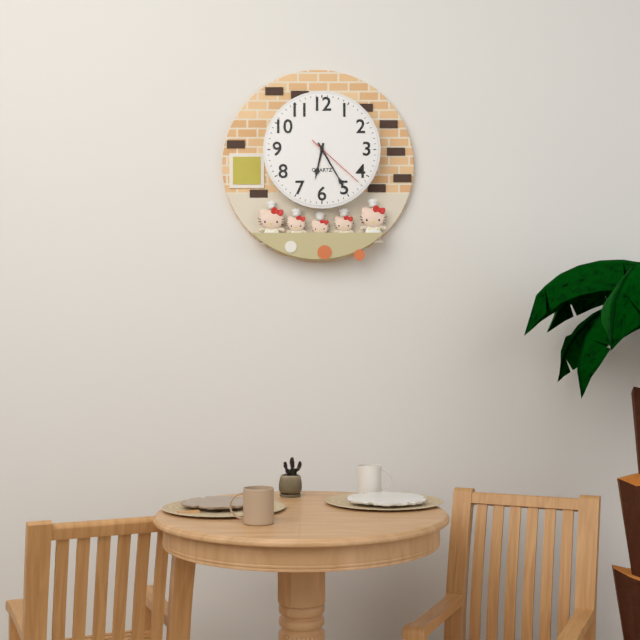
6:25:22
